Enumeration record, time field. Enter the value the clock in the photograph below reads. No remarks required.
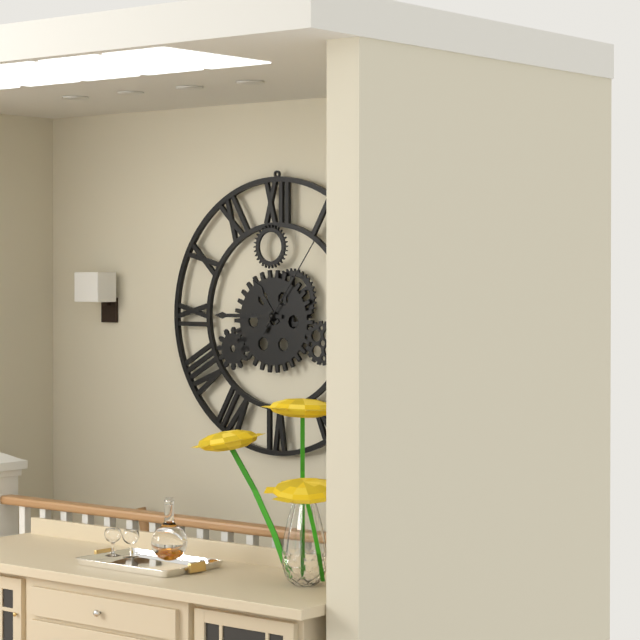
10:45:06
